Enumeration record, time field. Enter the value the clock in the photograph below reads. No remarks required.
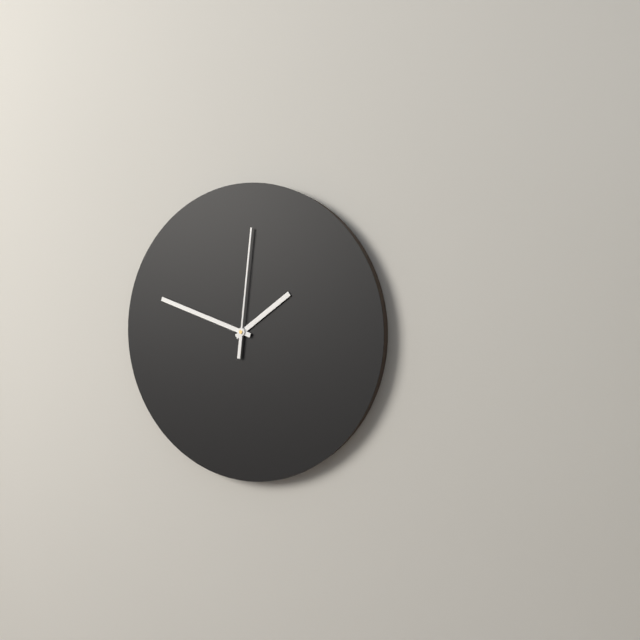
1:48:01
